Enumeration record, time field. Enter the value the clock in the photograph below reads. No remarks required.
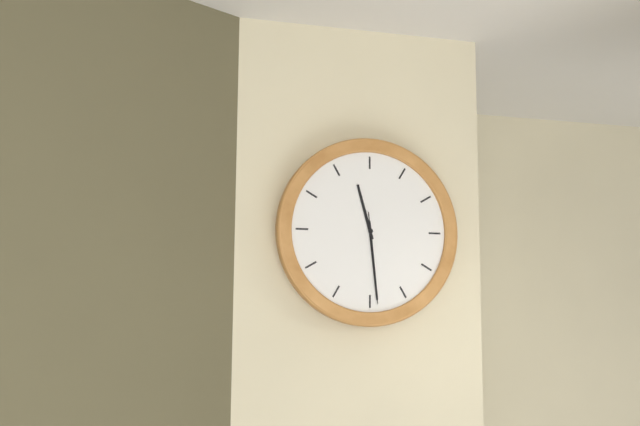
11:29:29
